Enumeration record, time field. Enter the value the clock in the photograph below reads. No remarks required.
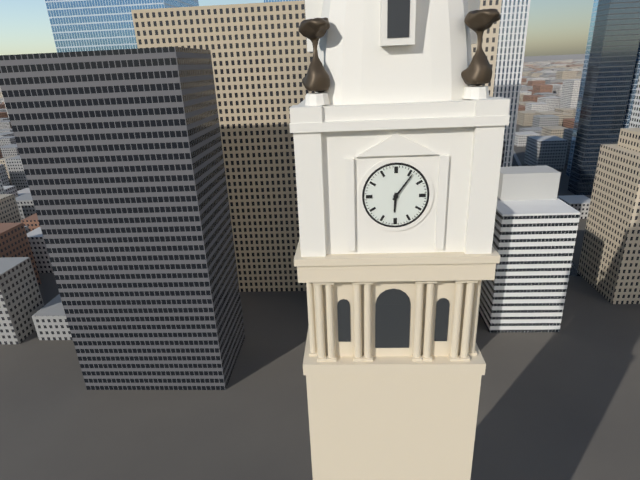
6:06
